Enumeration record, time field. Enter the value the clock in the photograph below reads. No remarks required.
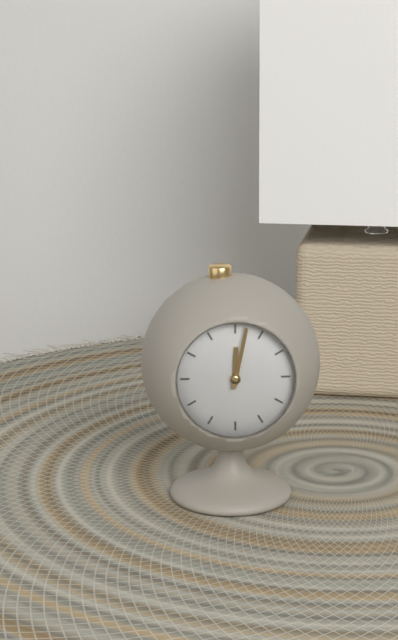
12:02
